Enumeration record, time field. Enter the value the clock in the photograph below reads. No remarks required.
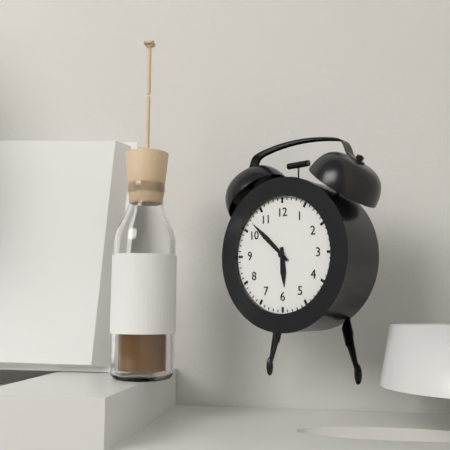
5:52
